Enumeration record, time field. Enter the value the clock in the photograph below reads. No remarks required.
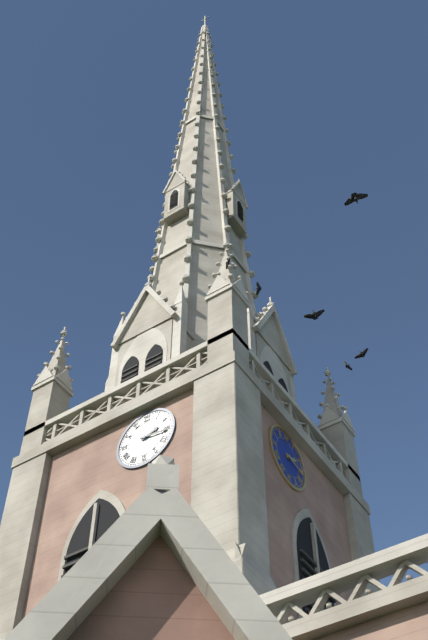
2:16
